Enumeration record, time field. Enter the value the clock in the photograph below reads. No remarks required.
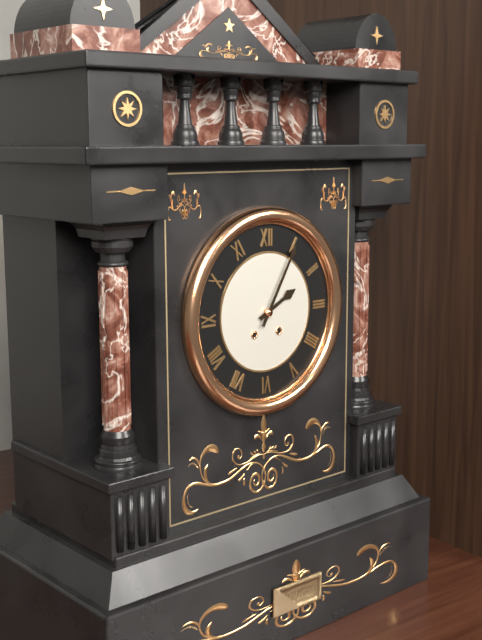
2:05
